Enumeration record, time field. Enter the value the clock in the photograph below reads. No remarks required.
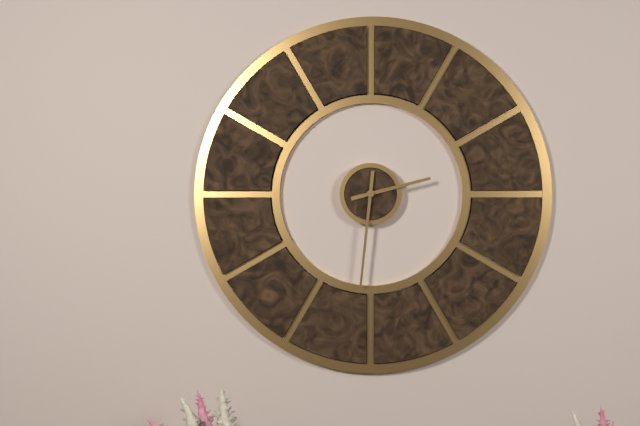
2:31
